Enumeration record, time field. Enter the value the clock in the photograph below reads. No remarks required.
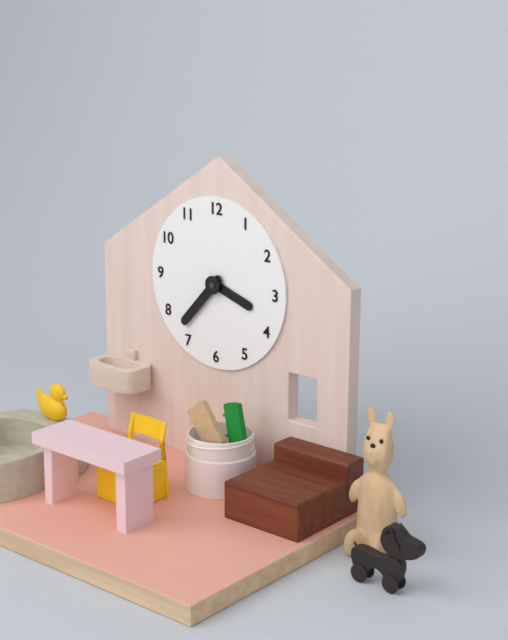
3:37
